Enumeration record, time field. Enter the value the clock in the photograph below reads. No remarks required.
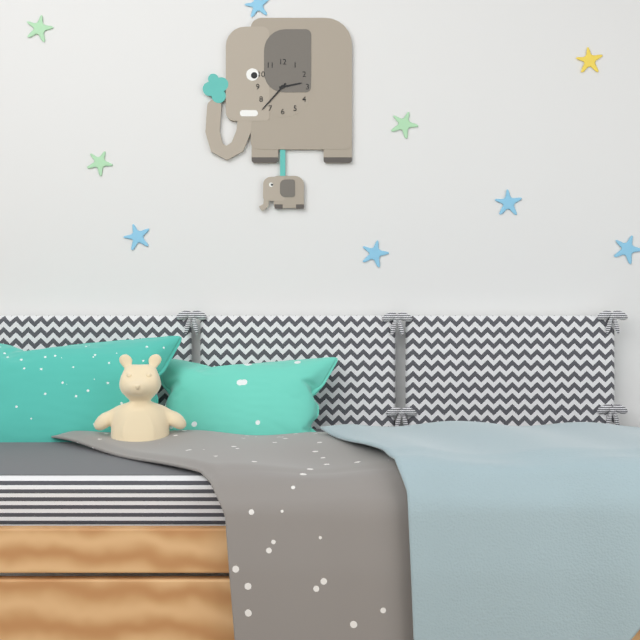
2:37
